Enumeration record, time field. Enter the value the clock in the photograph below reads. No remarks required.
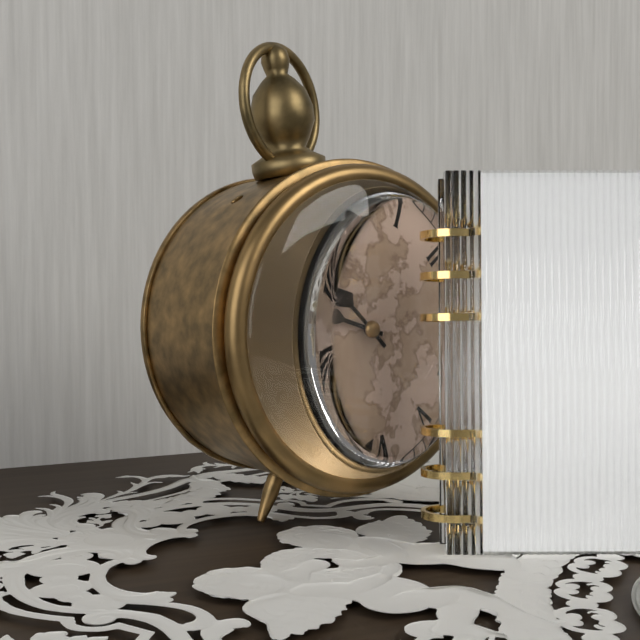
9:54
